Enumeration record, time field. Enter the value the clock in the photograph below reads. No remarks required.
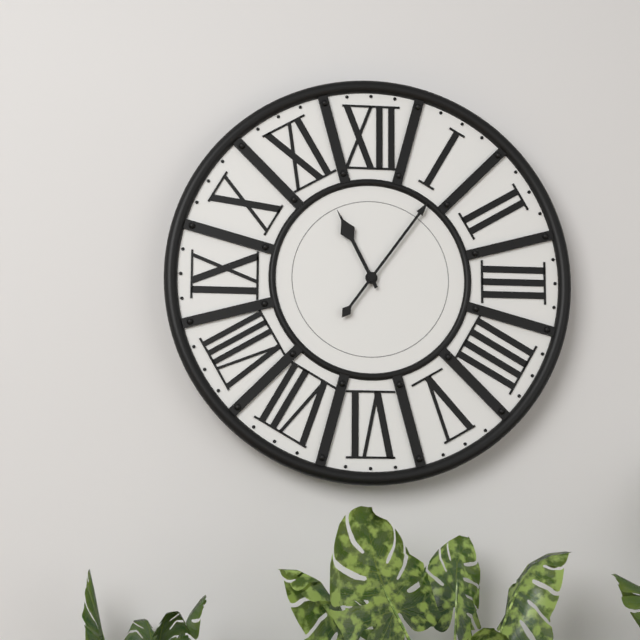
11:06
